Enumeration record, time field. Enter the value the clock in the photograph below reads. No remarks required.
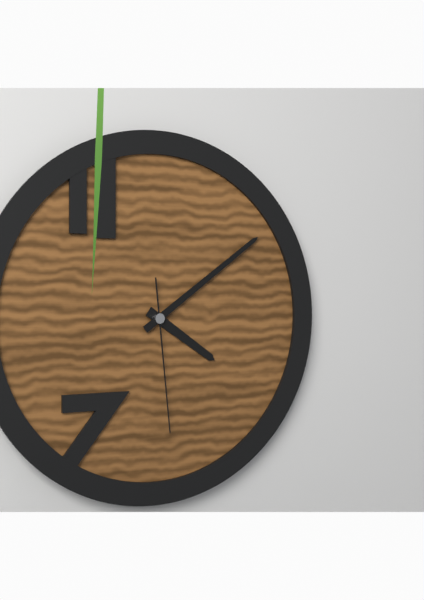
4:09:29
